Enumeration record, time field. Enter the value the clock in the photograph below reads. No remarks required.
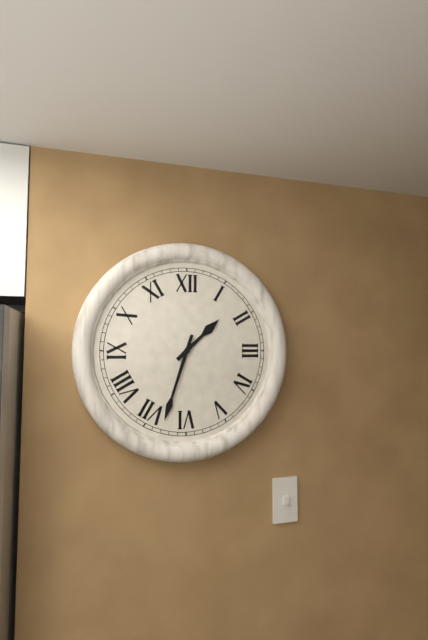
1:33
